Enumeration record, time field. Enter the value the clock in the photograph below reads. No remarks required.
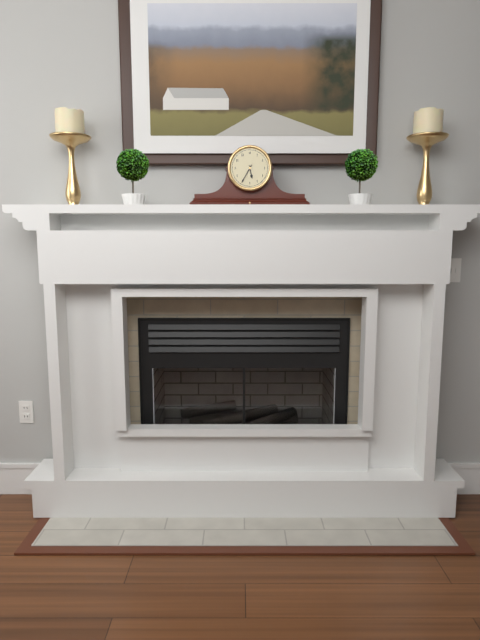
5:35
